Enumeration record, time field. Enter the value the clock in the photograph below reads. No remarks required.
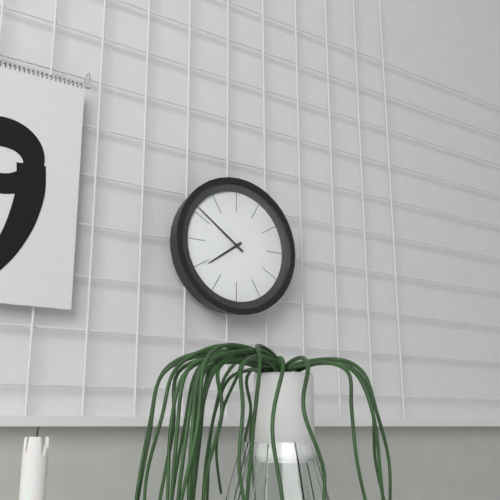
7:51
